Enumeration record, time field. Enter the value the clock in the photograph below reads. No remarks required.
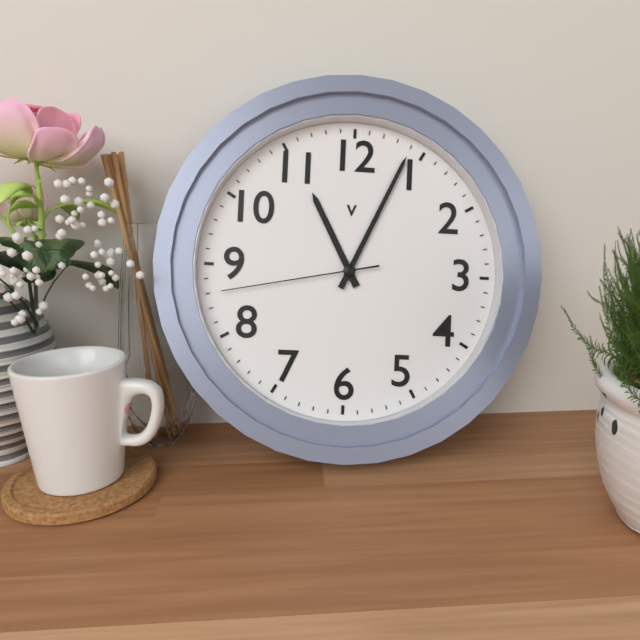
11:04:43
